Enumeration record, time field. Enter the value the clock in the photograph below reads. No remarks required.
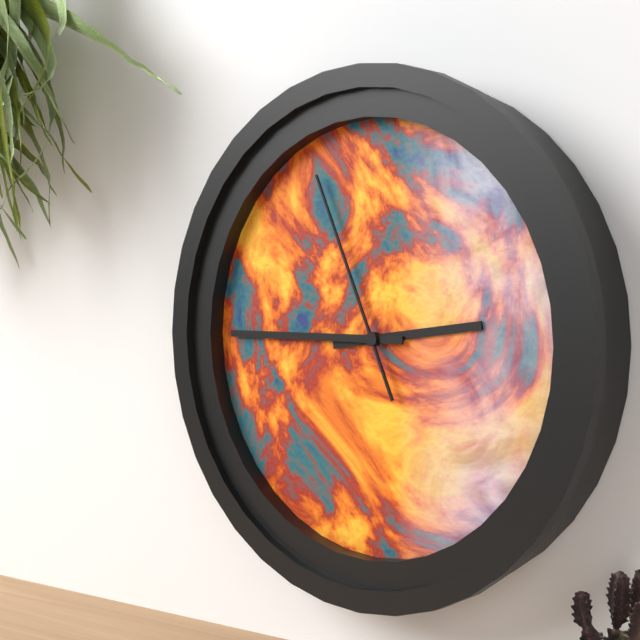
2:45:56
